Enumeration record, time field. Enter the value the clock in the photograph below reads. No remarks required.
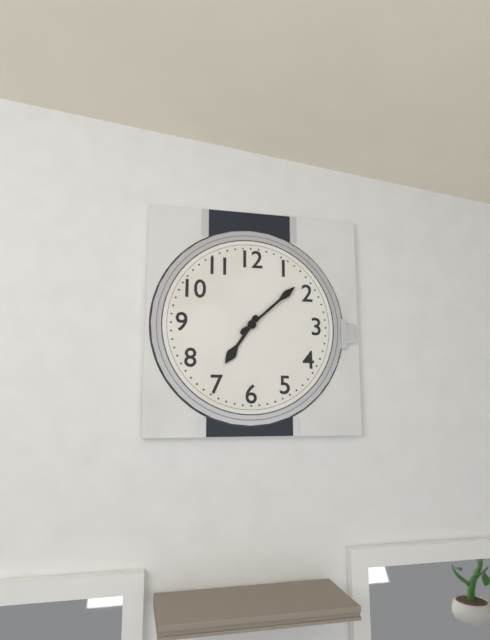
7:08
